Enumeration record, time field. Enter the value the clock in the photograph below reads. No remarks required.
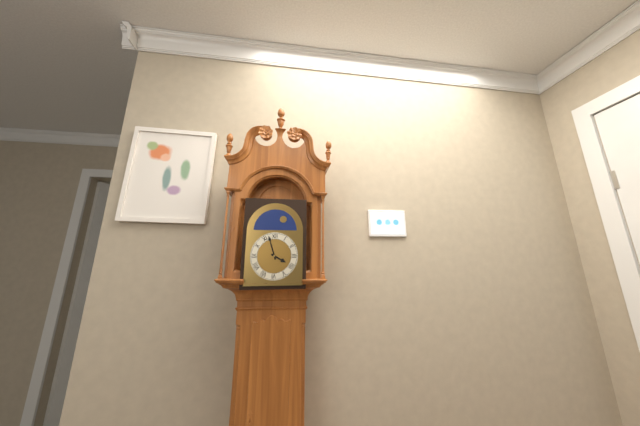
3:57
